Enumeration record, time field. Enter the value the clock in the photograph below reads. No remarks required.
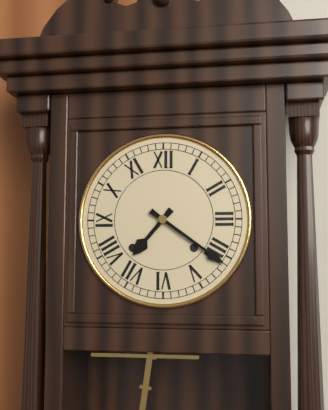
7:21
